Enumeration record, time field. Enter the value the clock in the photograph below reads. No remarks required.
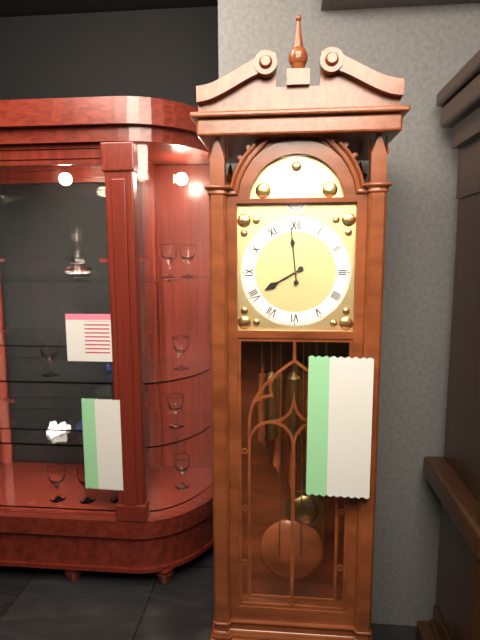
7:59
